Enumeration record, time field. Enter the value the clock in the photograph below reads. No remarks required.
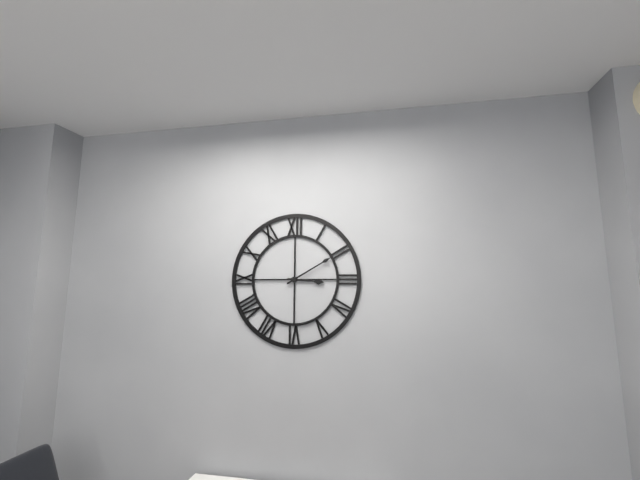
3:10
